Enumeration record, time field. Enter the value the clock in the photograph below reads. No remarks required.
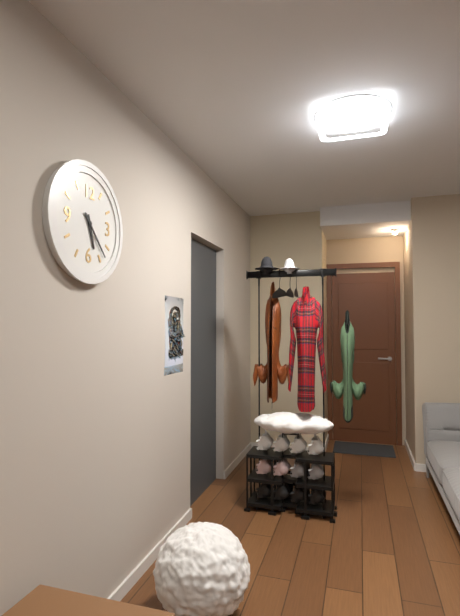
5:23
